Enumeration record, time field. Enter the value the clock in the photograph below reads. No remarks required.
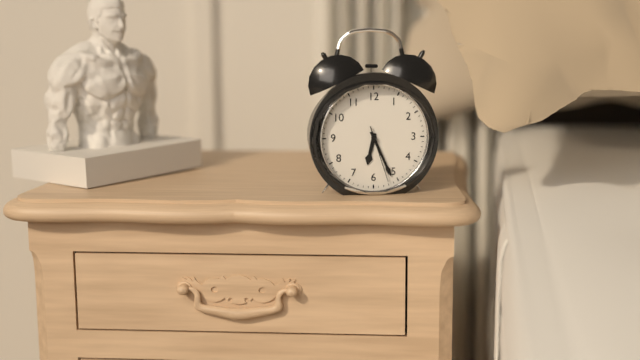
6:26:27
